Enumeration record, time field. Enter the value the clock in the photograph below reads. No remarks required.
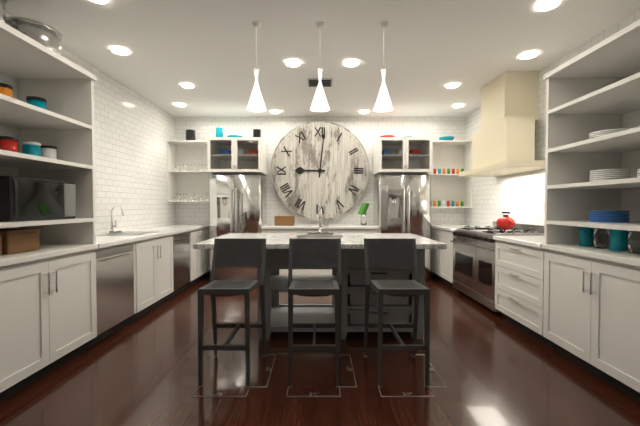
9:01
